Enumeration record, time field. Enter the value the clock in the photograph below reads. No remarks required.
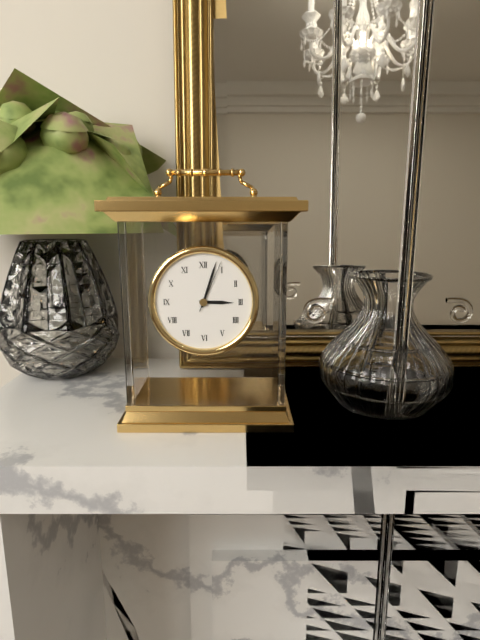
3:03:04
